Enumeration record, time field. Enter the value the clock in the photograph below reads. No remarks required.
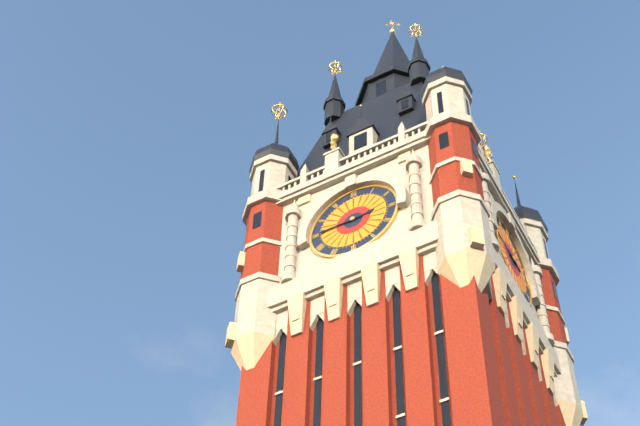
2:45
